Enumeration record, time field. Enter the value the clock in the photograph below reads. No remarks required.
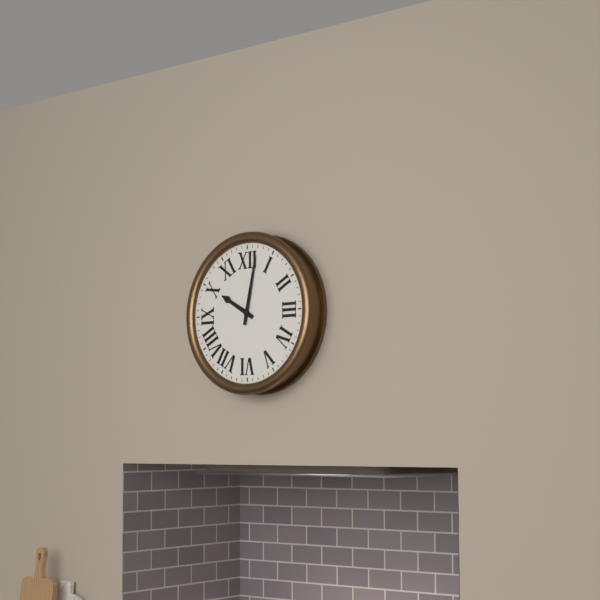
10:02
